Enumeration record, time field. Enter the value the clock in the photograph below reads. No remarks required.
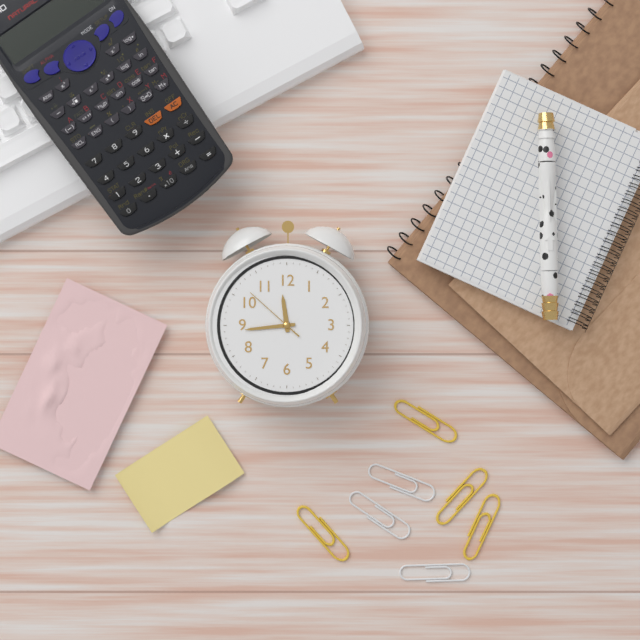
11:44:52
